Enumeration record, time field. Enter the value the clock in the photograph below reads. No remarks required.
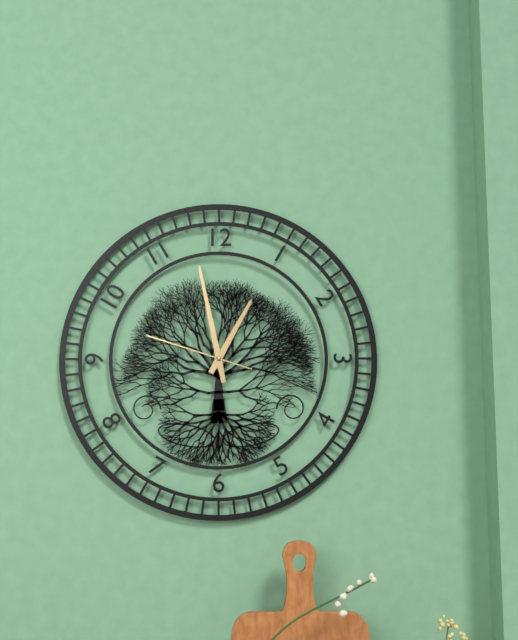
12:58:48
